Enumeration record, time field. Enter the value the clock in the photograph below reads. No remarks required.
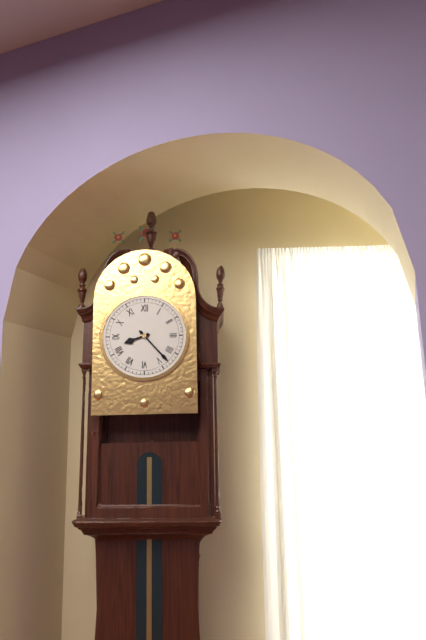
8:23
